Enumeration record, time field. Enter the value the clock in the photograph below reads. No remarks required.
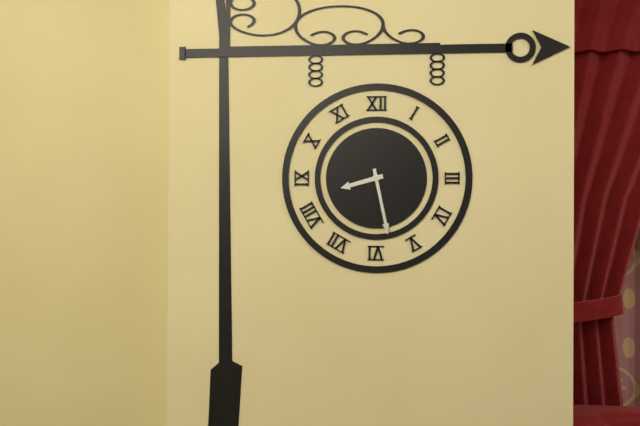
8:28
